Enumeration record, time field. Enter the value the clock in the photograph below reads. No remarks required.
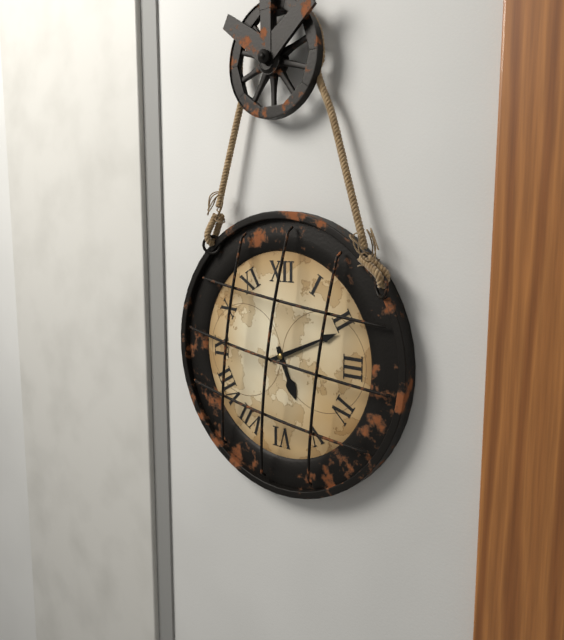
5:11
